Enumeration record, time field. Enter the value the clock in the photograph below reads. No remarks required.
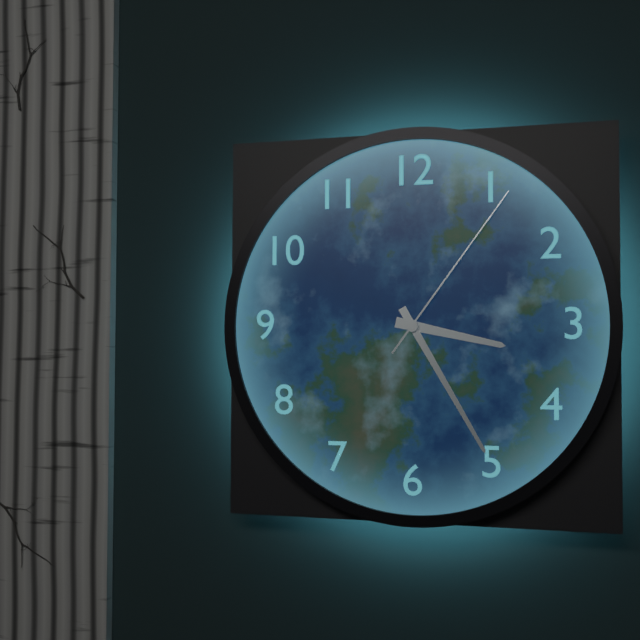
3:25:06
